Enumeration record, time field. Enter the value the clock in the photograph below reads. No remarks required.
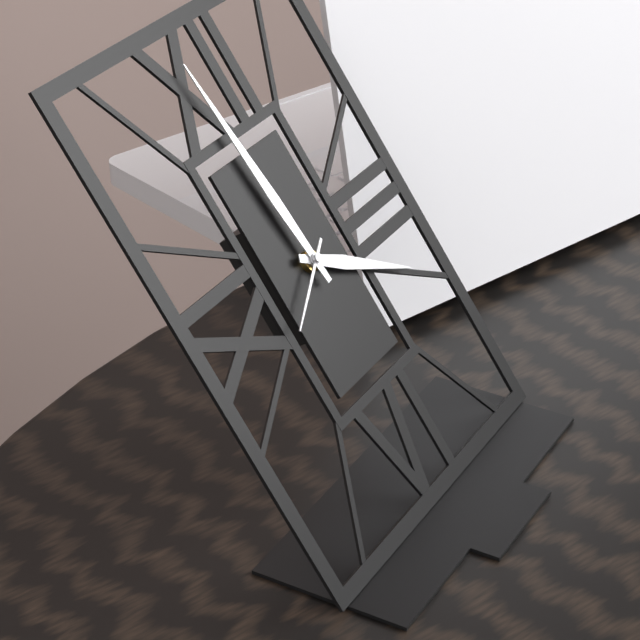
3:59:40
